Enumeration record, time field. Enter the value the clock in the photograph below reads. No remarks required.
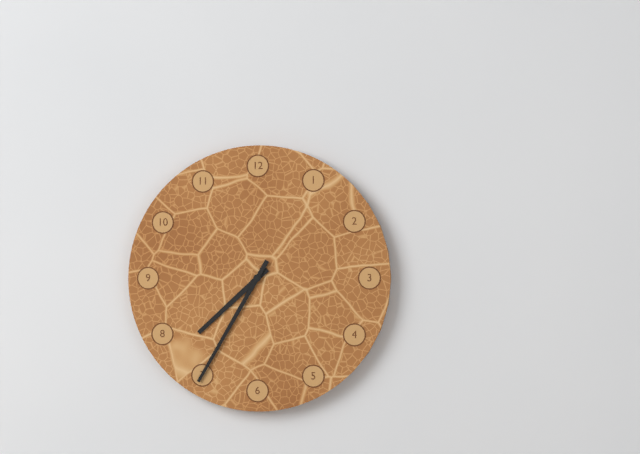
7:35
